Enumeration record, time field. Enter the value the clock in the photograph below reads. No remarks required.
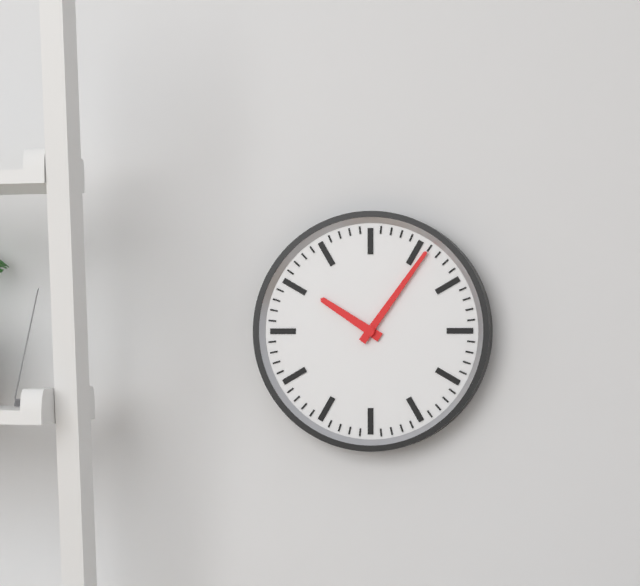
10:06
